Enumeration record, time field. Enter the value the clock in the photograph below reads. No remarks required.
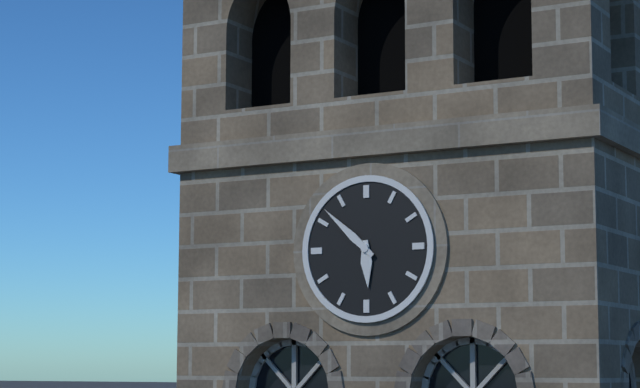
5:52
